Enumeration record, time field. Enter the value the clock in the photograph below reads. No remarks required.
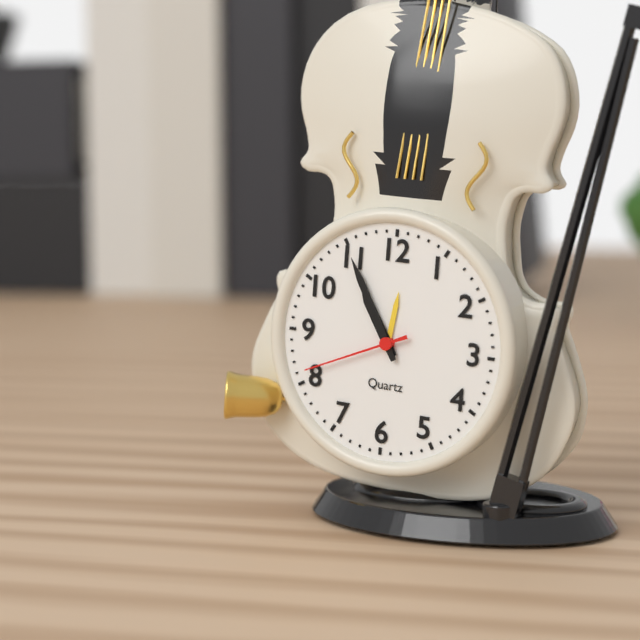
10:55:41
